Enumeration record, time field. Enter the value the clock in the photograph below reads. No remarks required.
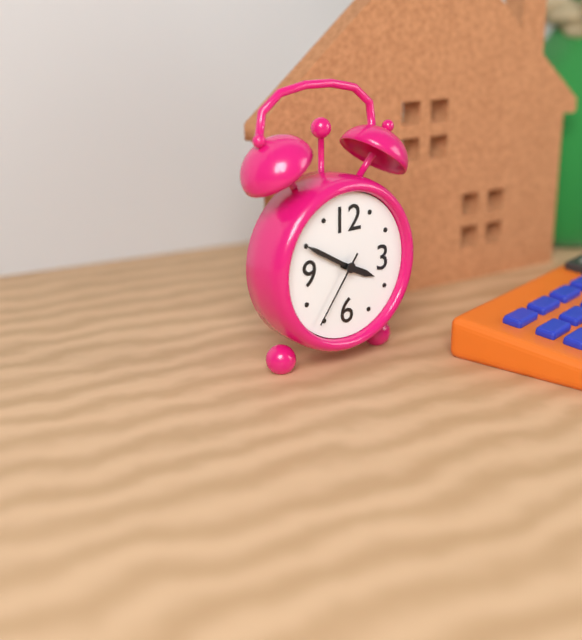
3:50:36
